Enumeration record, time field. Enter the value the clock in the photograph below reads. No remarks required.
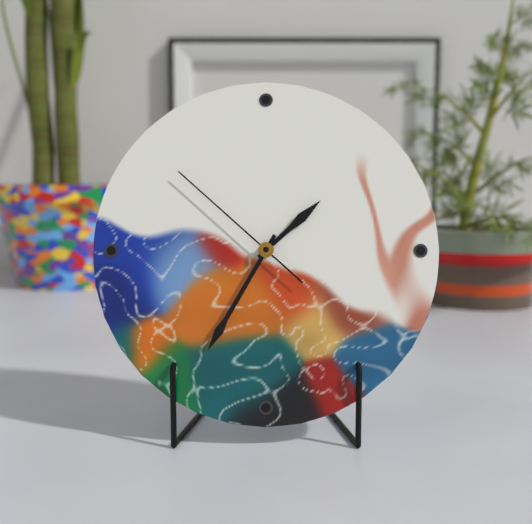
1:35:52
